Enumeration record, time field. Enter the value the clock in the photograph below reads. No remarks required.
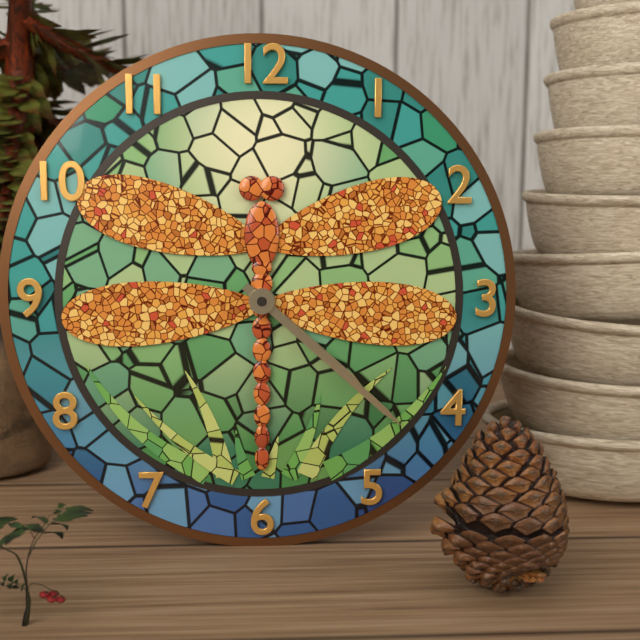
4:22
